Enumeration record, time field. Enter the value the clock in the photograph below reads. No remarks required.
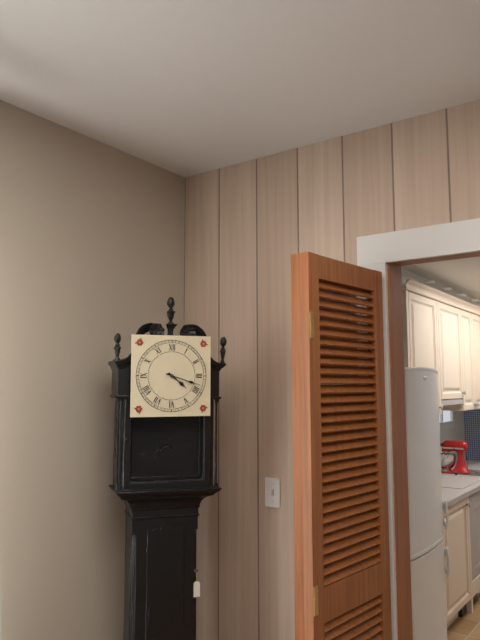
4:18
